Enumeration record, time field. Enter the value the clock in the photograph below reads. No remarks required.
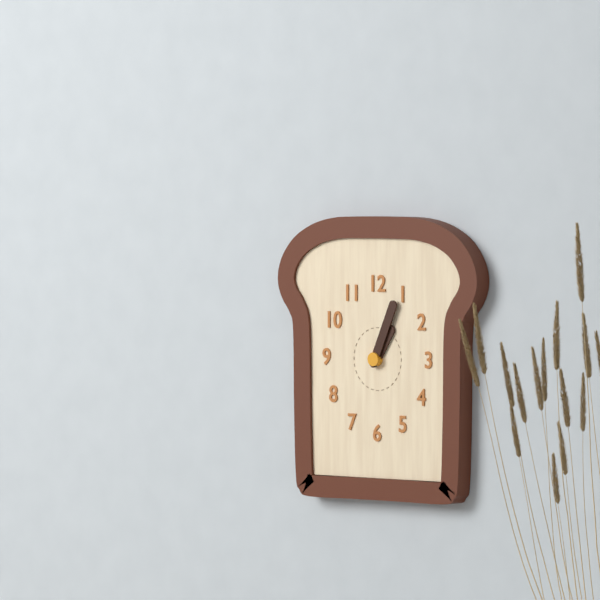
1:04
